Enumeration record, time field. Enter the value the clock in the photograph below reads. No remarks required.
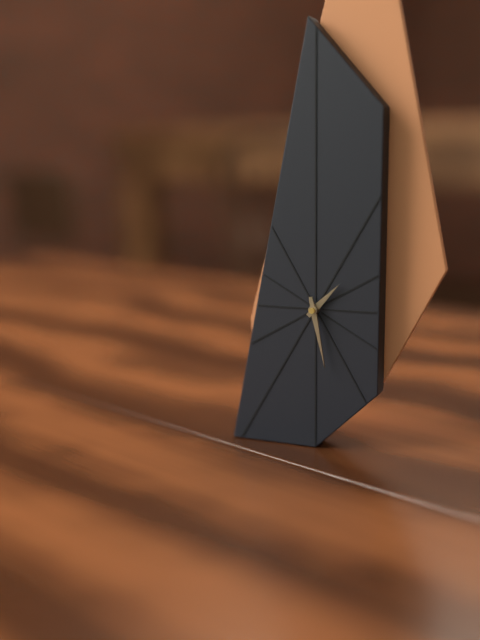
1:28
